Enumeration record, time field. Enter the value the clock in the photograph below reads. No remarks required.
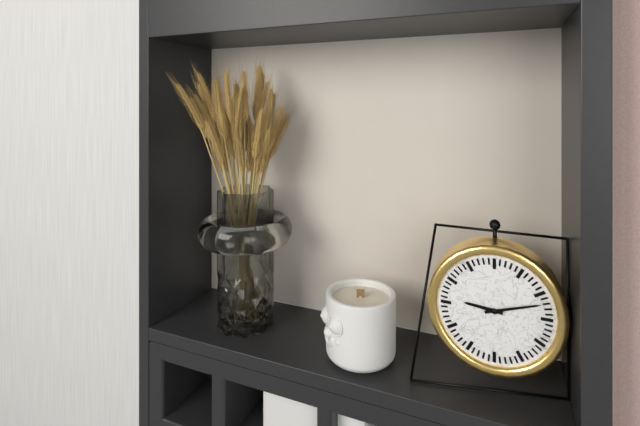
9:12
